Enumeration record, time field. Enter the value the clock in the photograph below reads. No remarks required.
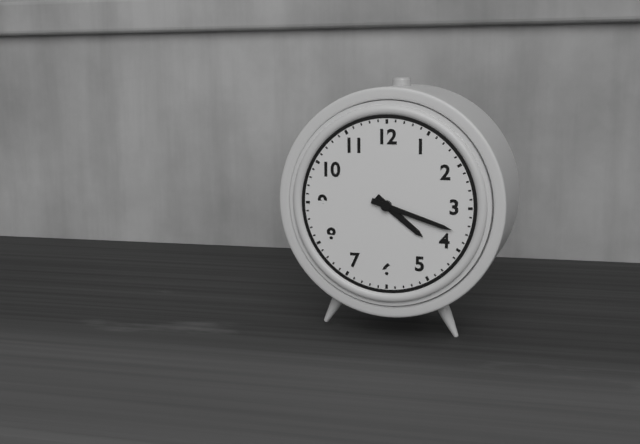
4:18
